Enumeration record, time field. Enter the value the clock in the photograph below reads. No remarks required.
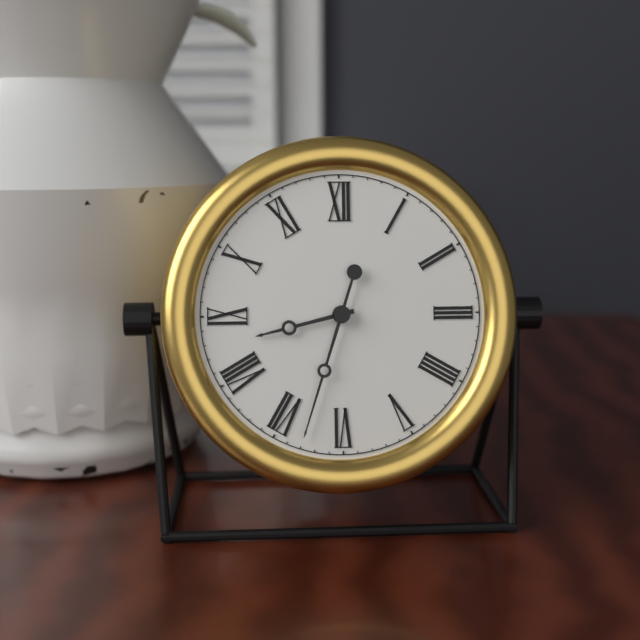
8:33
